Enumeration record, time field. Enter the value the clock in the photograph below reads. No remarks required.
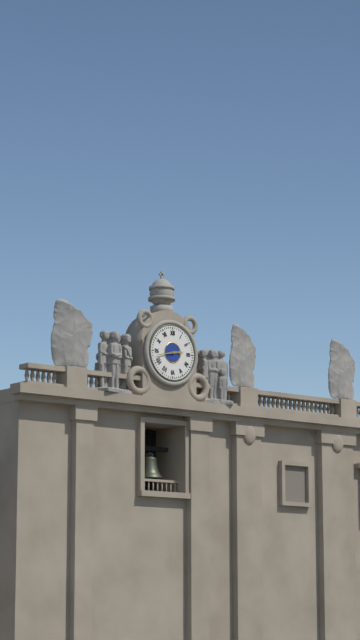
2:43
